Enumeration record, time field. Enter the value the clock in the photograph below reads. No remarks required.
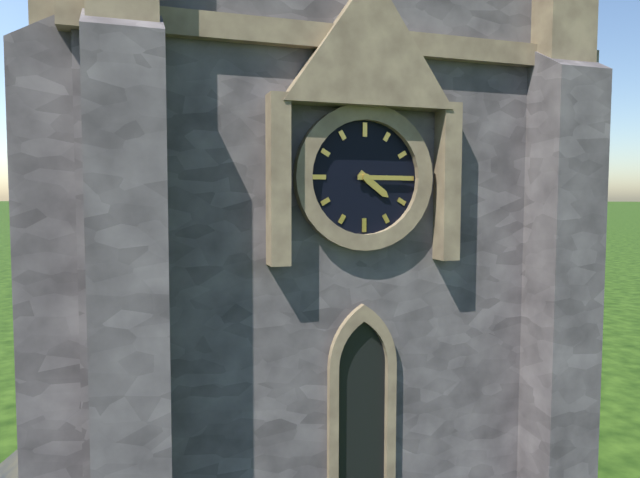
4:15
